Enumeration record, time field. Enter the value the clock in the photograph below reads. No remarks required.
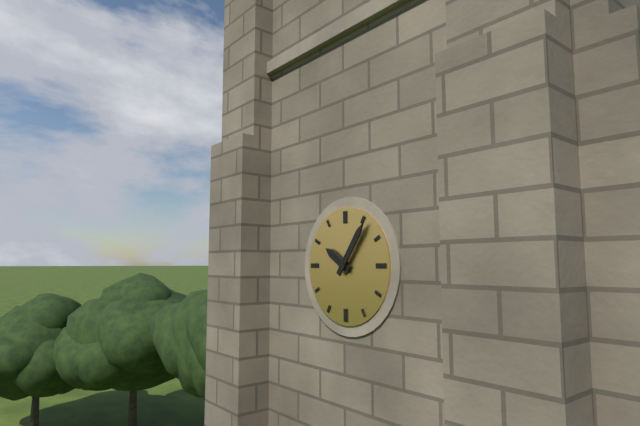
10:06
